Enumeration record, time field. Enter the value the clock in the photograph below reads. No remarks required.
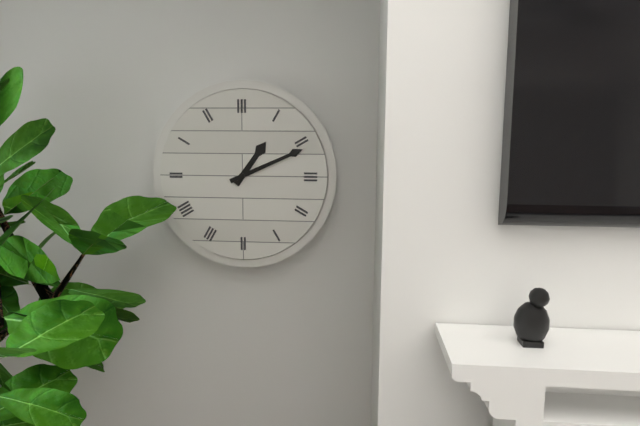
1:11
